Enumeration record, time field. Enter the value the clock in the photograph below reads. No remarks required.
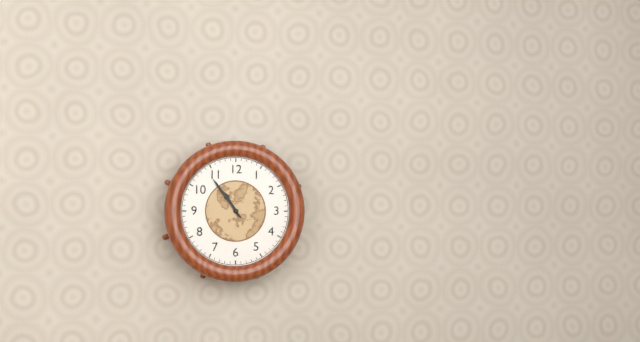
10:54
